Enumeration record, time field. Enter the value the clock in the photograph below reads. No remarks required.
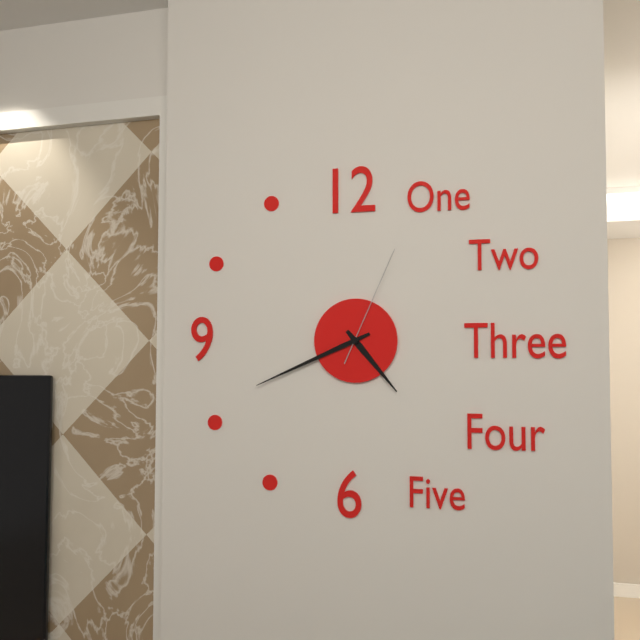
4:41:04
